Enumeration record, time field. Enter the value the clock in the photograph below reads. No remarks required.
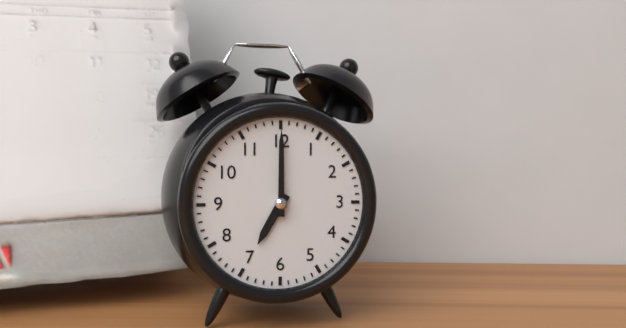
7:00
